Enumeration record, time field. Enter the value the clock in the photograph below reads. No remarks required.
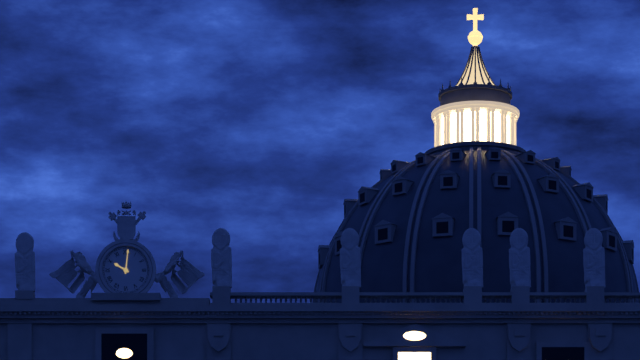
10:01
